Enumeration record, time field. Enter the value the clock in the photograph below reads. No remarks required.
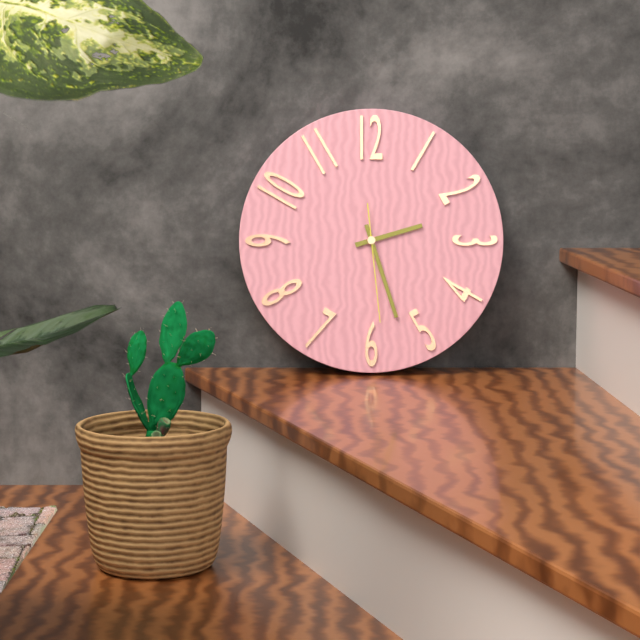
2:27:29
